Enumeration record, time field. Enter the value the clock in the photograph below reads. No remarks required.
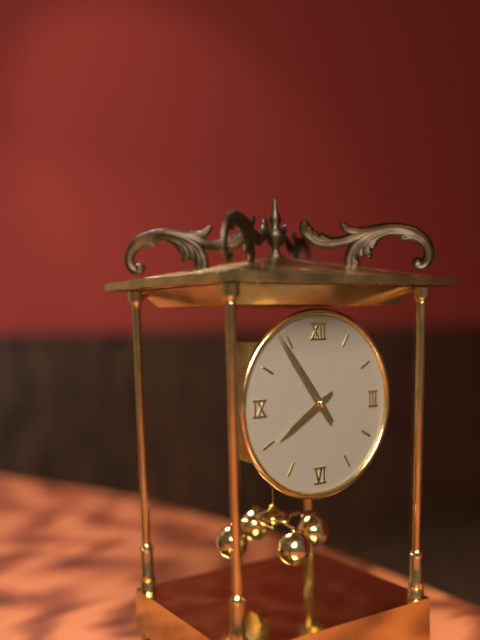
7:54
